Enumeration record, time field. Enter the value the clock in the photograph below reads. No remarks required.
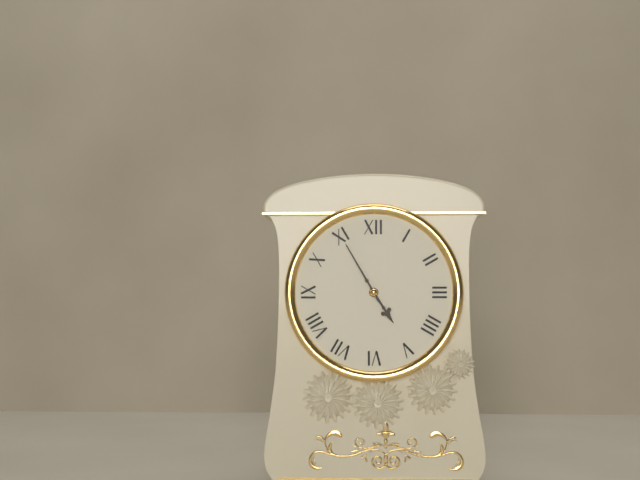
4:55
